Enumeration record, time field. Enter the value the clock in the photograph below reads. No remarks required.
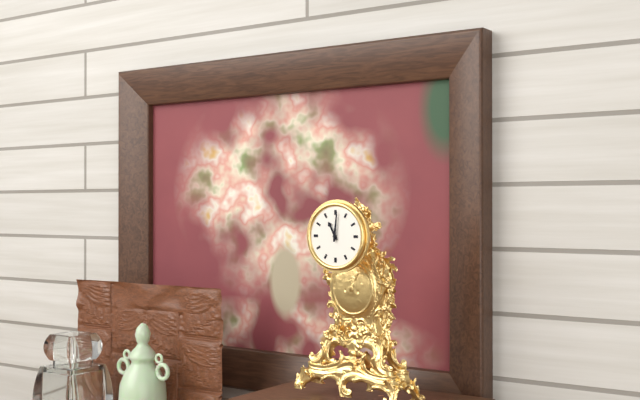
11:01
